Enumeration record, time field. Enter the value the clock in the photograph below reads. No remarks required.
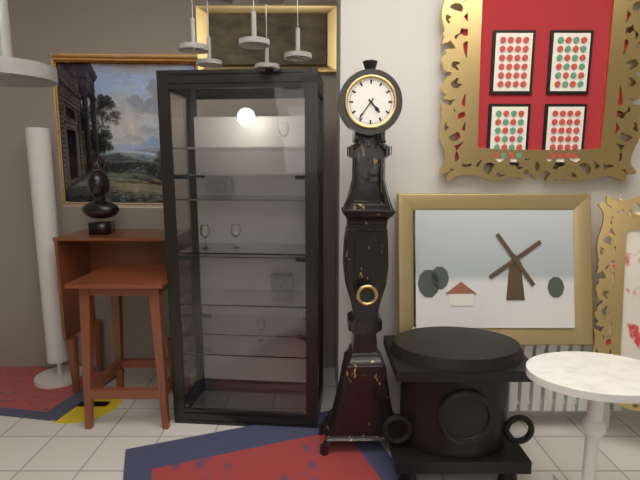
4:36
